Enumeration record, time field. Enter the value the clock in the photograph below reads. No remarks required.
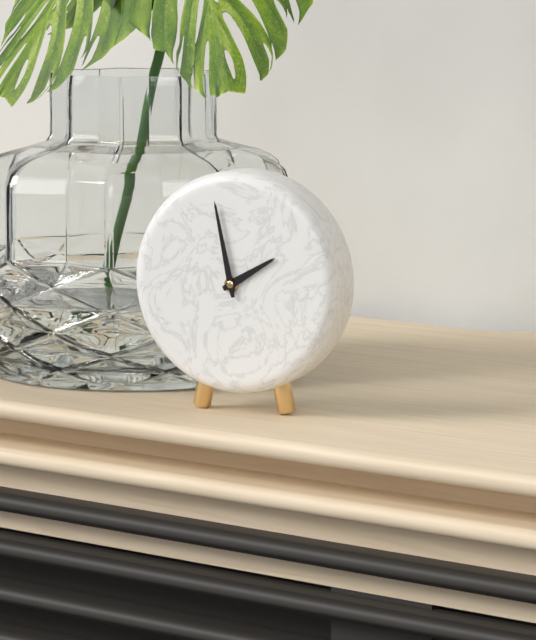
1:58
